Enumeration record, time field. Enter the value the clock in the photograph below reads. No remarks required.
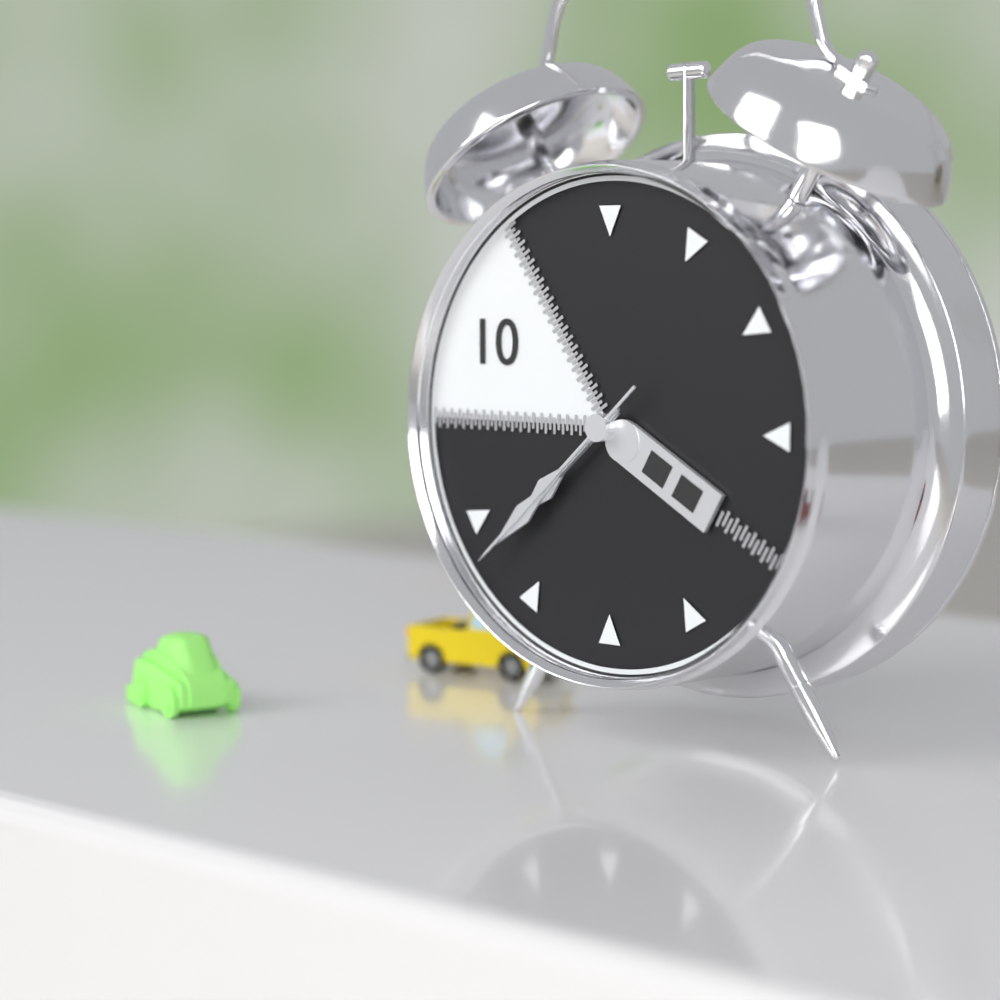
7:38:38
